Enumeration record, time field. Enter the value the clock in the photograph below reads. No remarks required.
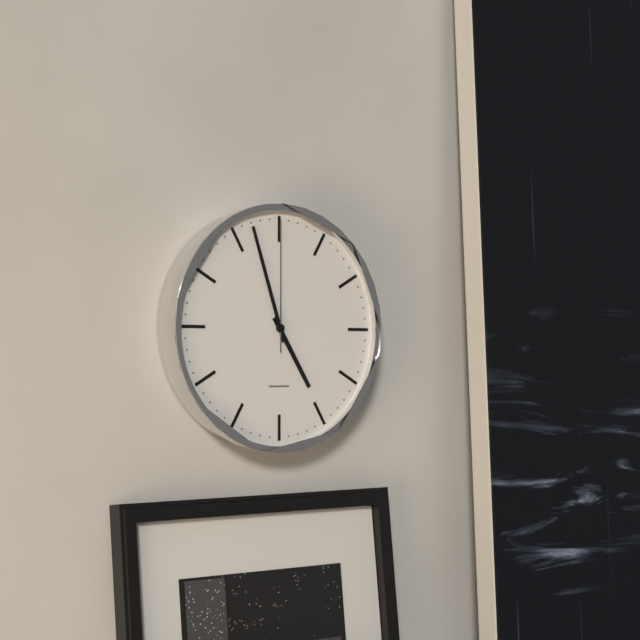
4:57:00
